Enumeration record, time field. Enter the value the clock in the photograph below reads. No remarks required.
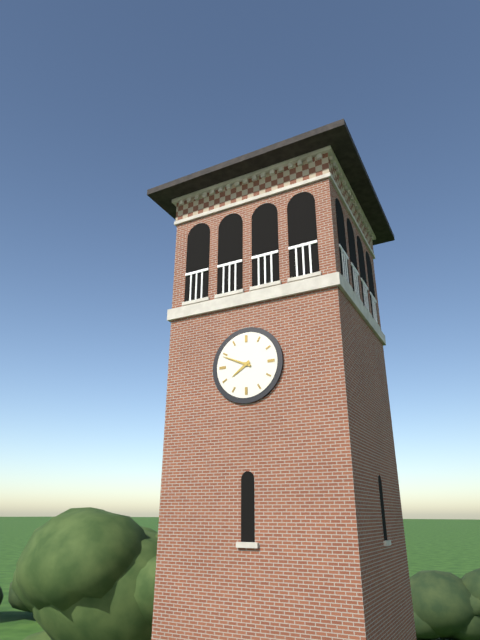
7:49
